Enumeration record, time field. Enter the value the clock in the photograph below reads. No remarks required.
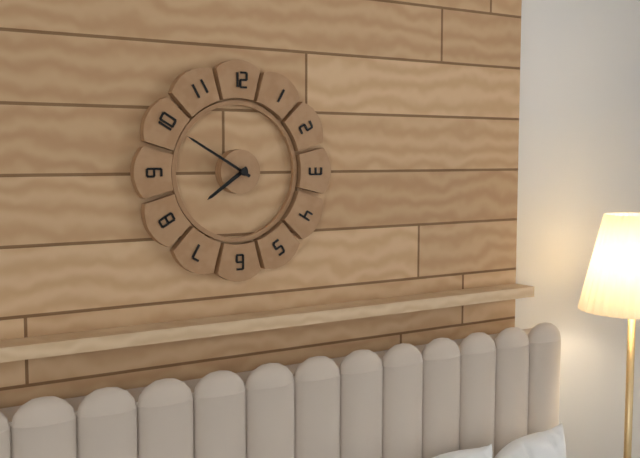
7:50
